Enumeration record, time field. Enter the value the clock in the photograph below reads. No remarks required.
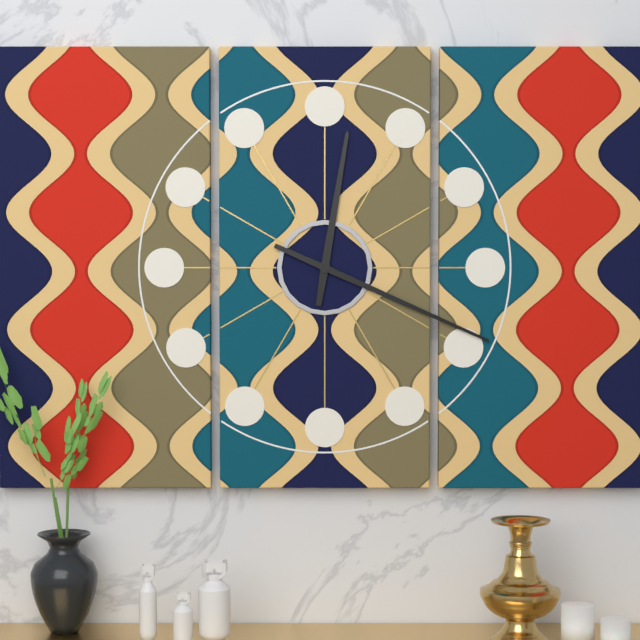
12:19
